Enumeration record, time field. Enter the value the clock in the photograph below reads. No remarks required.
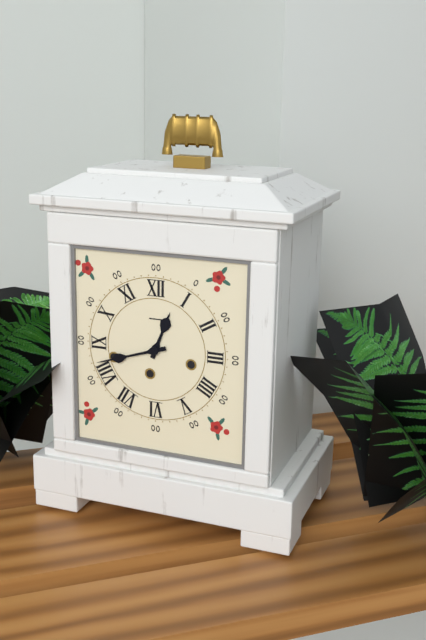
12:42
